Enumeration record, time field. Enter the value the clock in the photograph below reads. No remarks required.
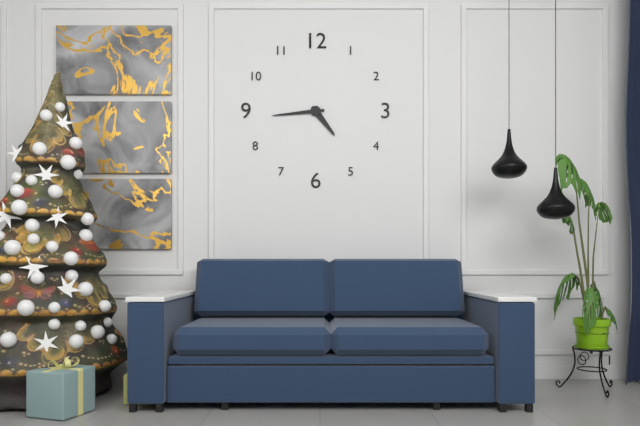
4:44
